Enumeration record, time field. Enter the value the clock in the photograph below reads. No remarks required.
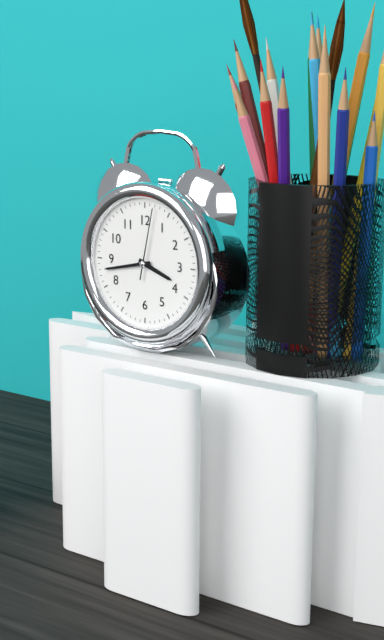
3:43:02
